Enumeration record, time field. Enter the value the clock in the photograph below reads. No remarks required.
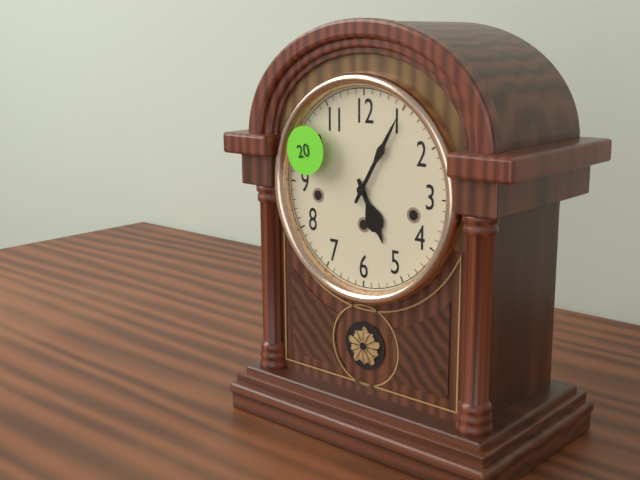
5:05
